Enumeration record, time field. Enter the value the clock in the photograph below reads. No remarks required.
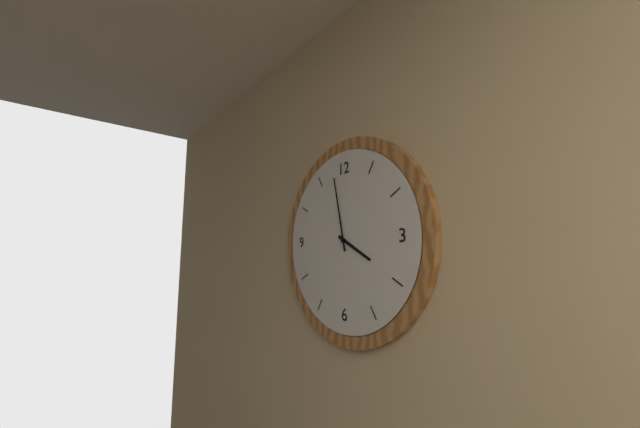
3:58
